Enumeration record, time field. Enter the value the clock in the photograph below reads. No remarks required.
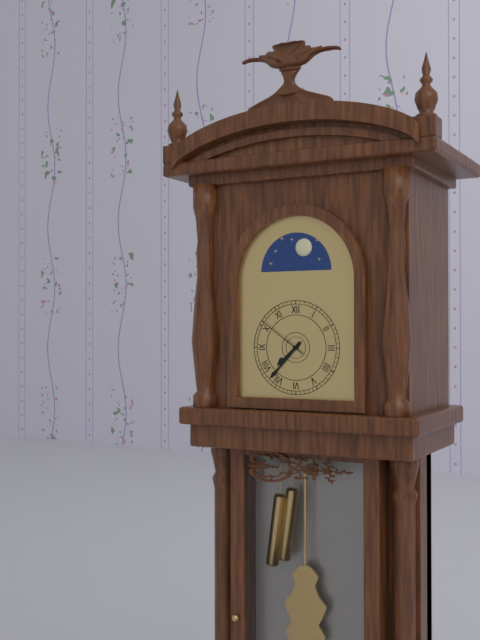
7:37:51
